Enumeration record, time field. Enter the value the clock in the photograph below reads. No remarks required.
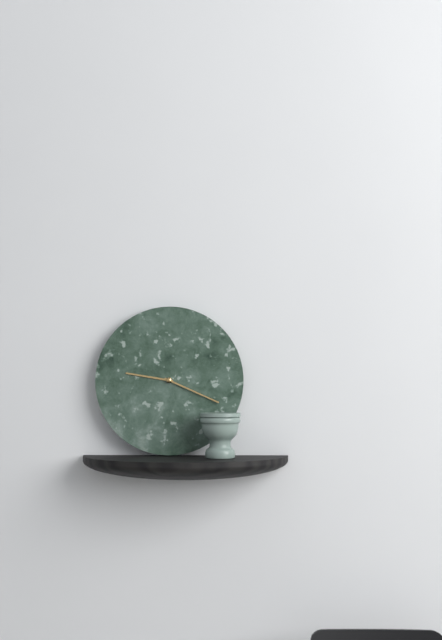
9:19
